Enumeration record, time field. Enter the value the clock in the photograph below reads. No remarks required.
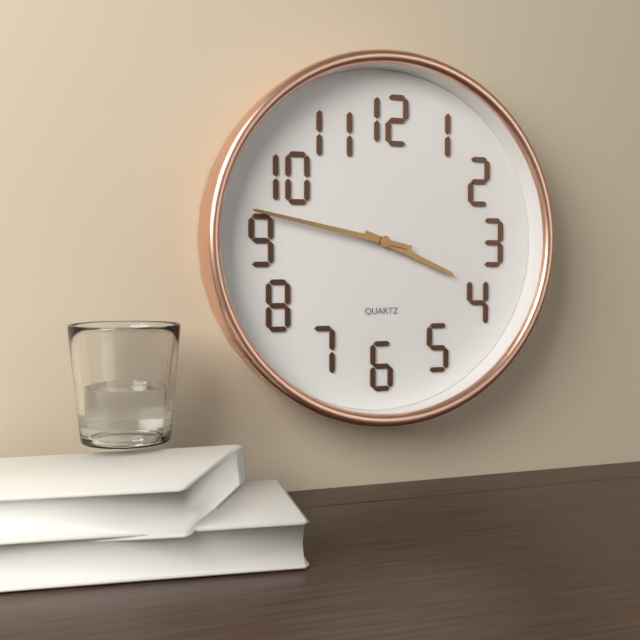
3:47
